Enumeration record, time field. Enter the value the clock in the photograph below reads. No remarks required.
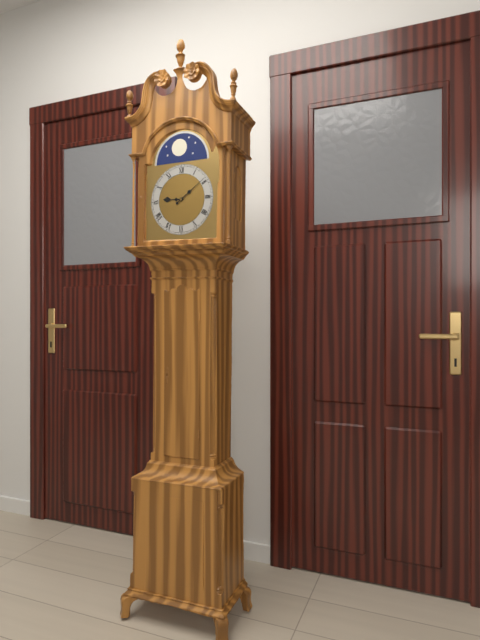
9:09
